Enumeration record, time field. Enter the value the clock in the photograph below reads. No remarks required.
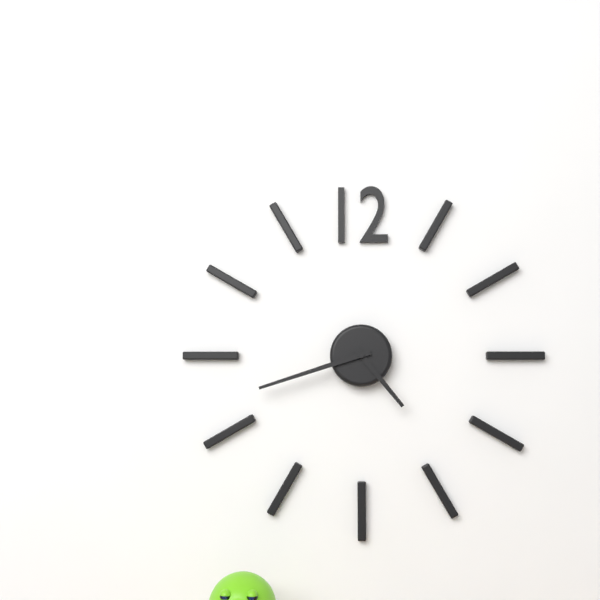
4:42
